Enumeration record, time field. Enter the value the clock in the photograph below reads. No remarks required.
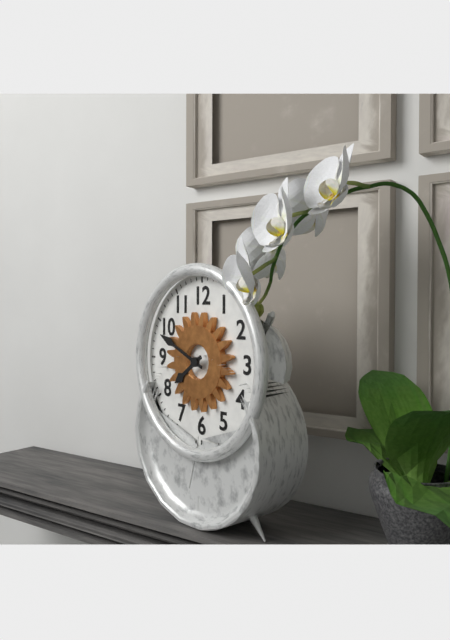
7:49
